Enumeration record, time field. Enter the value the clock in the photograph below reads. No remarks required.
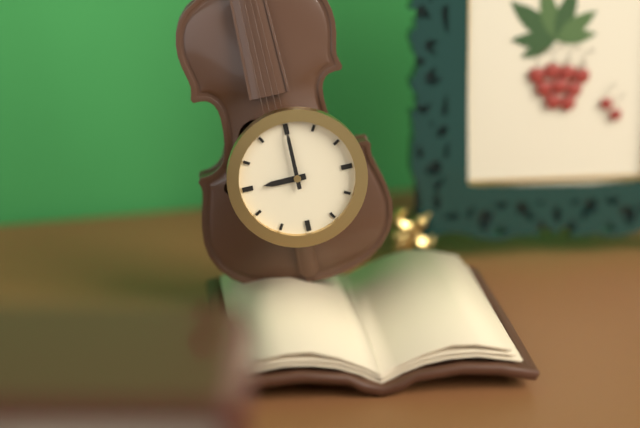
9:00
